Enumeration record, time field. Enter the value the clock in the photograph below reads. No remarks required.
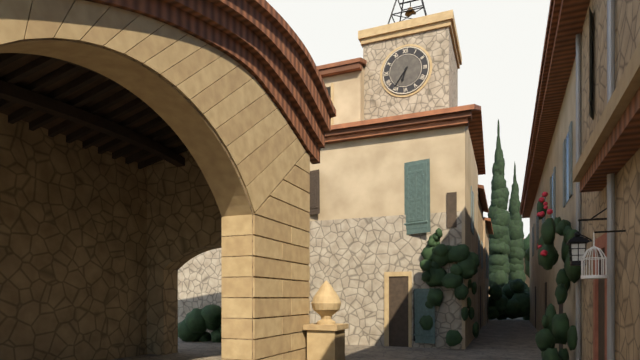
6:36
